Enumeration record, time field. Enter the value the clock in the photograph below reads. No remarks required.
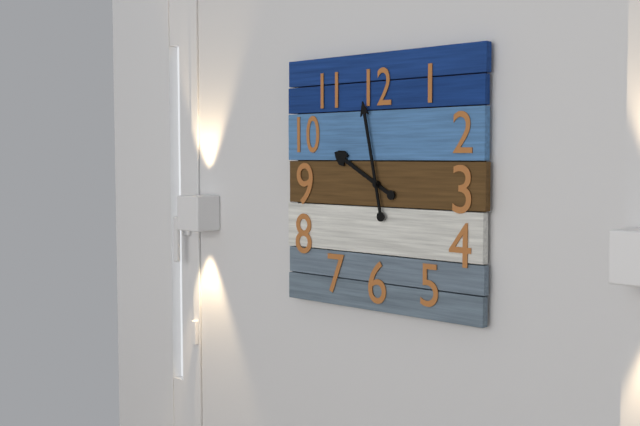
9:58
